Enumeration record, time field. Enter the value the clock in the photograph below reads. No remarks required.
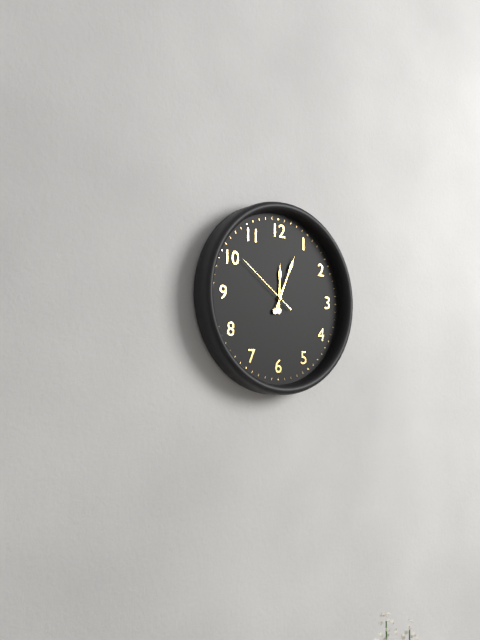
12:04:51
